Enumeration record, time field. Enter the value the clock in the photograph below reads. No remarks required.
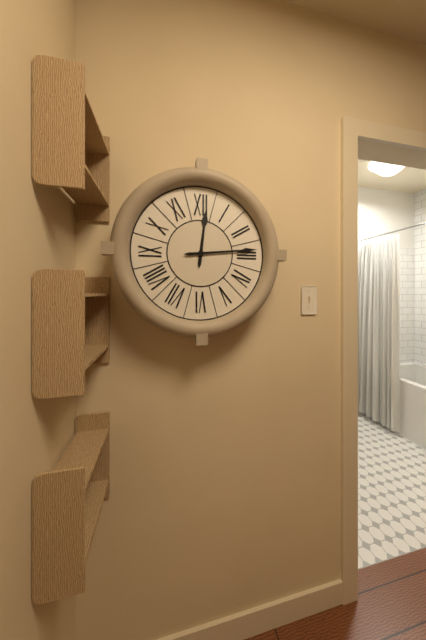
12:14
